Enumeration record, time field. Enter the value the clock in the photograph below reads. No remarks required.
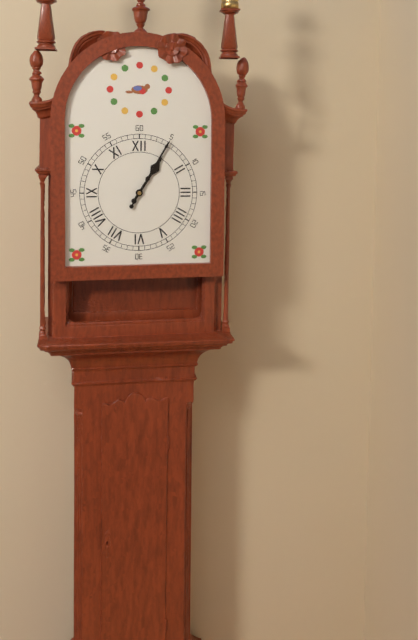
1:05
